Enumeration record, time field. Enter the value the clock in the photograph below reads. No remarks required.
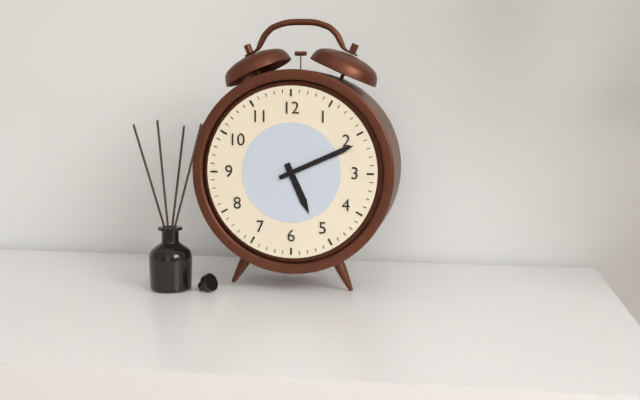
5:11
